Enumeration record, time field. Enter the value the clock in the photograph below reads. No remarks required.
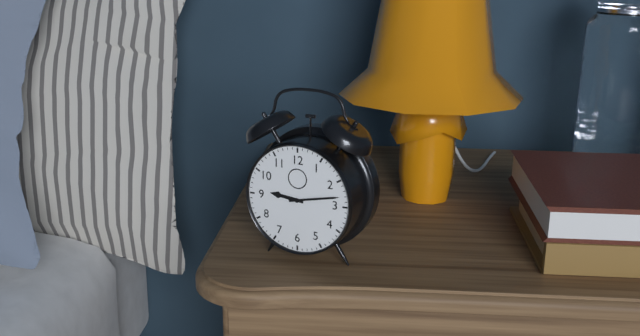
9:13
